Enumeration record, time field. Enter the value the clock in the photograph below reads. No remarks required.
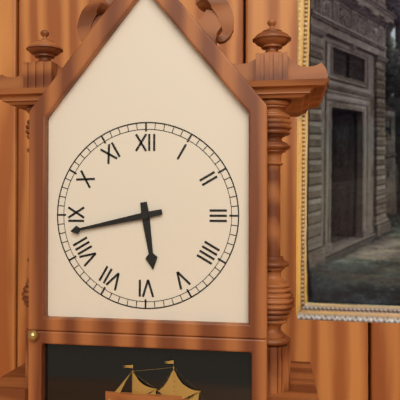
5:43
